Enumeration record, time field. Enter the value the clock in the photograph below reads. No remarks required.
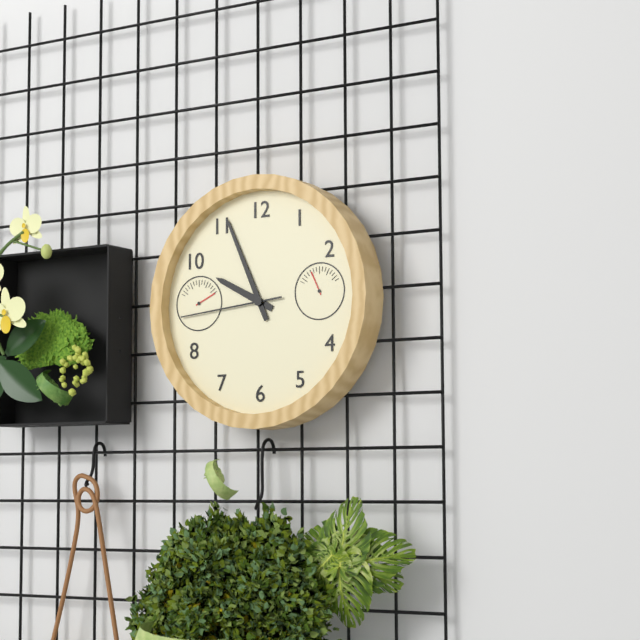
9:56:44
